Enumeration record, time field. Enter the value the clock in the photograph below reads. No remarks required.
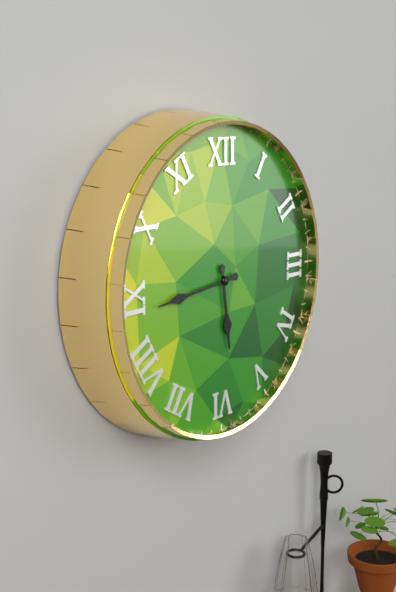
5:44
